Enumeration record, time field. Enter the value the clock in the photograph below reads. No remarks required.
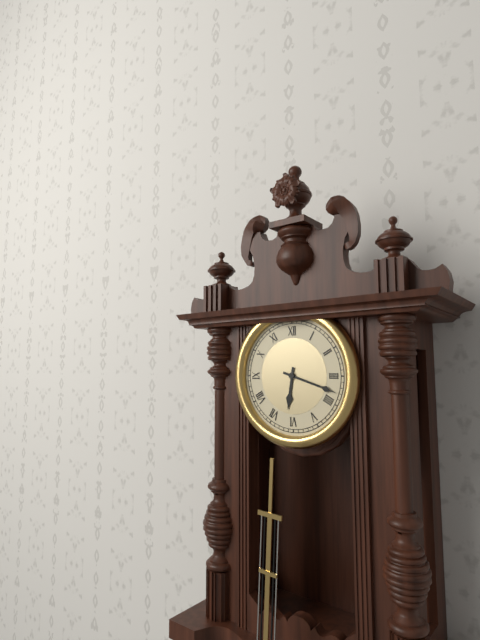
6:18
